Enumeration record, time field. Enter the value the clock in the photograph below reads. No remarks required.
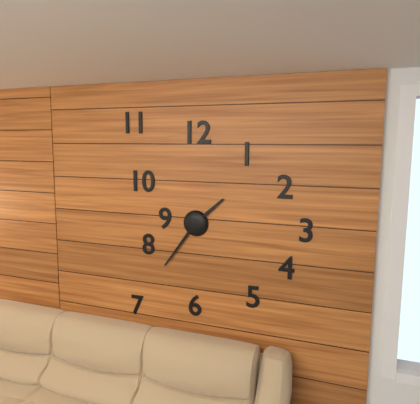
1:36
